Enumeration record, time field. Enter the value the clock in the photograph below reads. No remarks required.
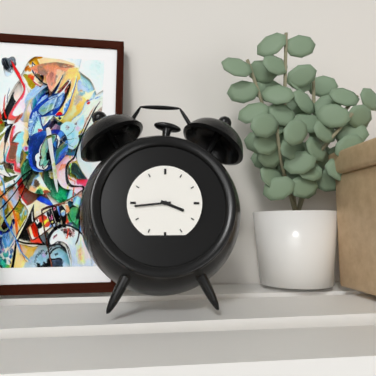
3:44
